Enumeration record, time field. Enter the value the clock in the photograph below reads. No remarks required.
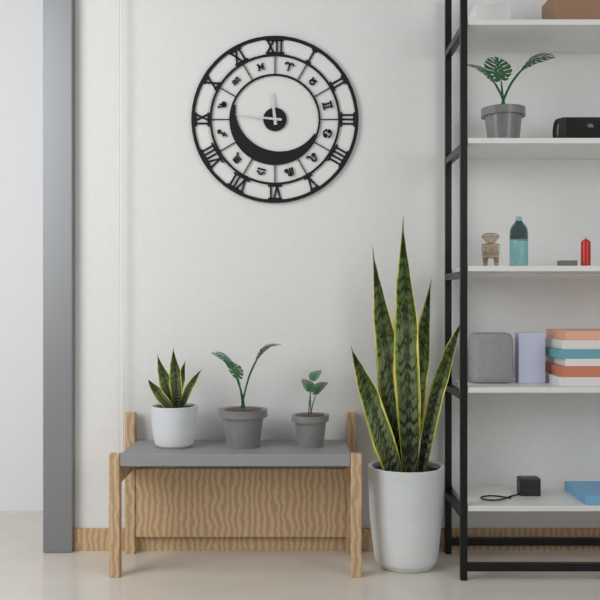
11:46
